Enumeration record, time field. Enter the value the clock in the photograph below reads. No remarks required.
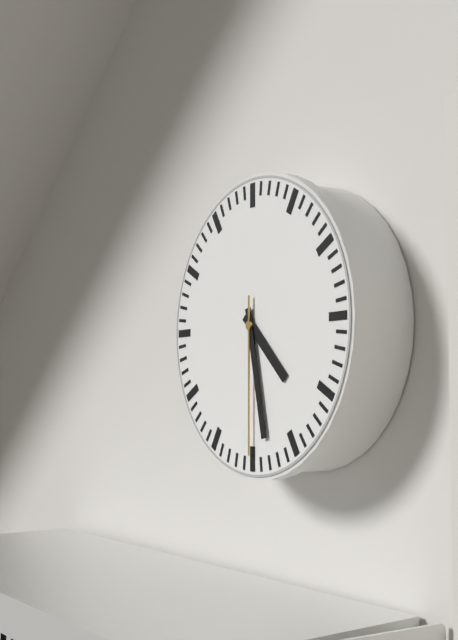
4:28:30
